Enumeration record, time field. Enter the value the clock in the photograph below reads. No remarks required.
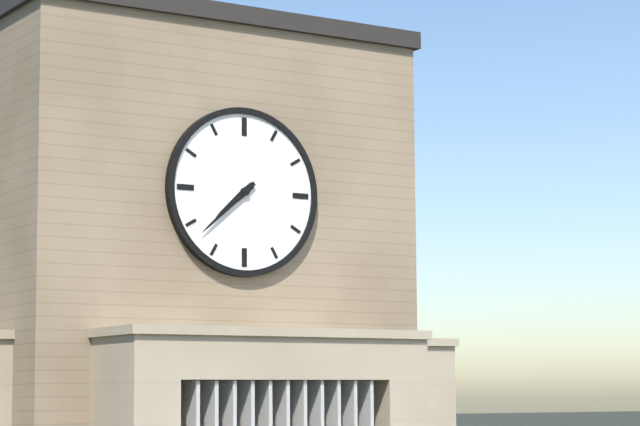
7:38
